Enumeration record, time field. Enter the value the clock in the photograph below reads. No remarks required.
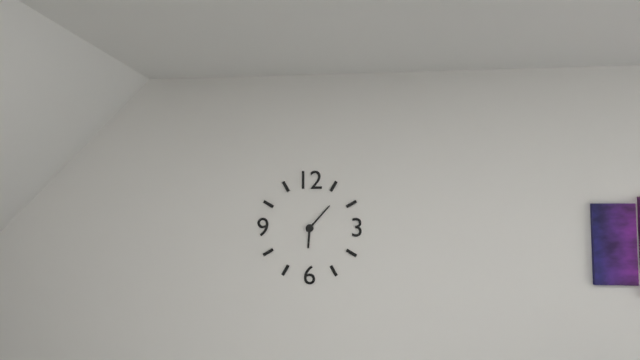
6:07
